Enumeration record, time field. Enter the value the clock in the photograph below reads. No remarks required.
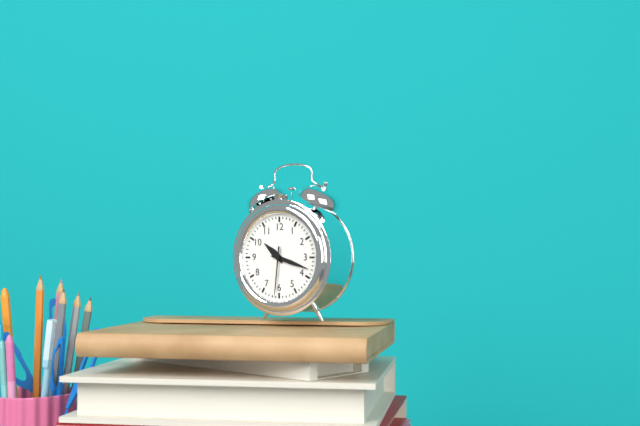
10:18
